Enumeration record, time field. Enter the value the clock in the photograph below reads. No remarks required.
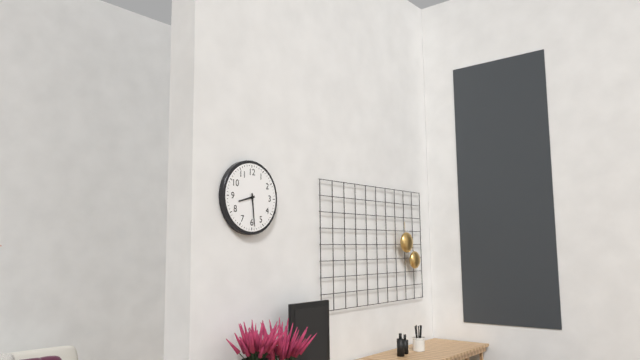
8:29
